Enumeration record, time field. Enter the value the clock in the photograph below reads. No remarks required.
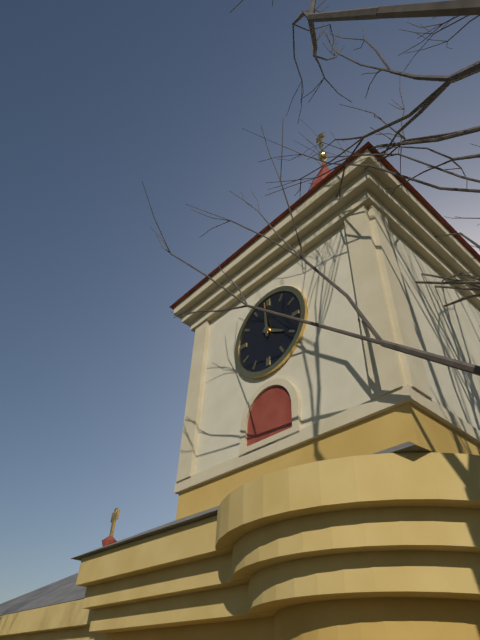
3:59
